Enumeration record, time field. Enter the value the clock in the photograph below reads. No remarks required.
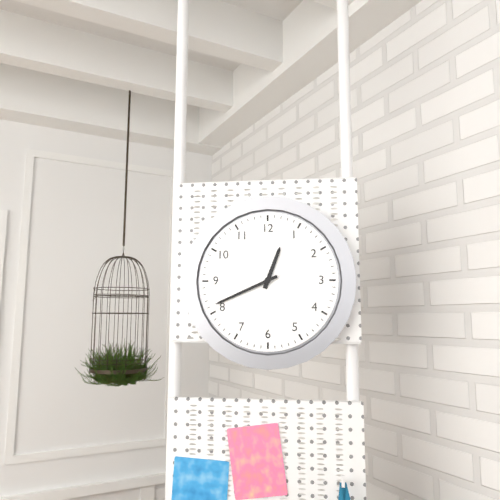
12:41
